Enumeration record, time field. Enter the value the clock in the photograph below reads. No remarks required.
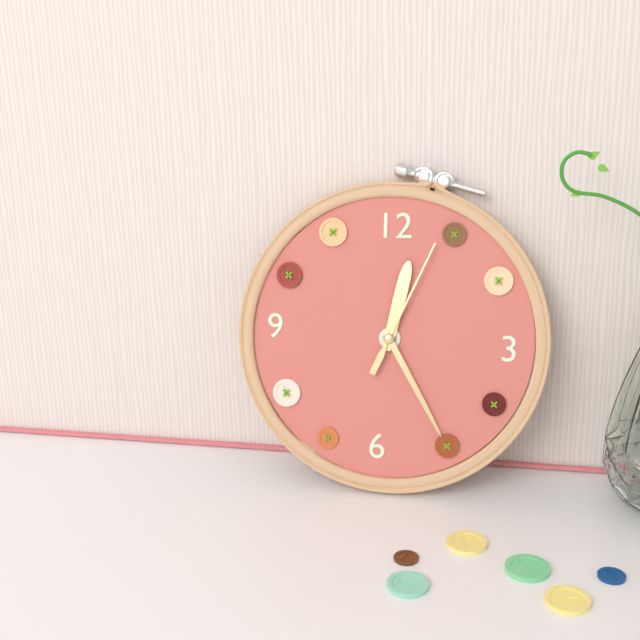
12:25:04
